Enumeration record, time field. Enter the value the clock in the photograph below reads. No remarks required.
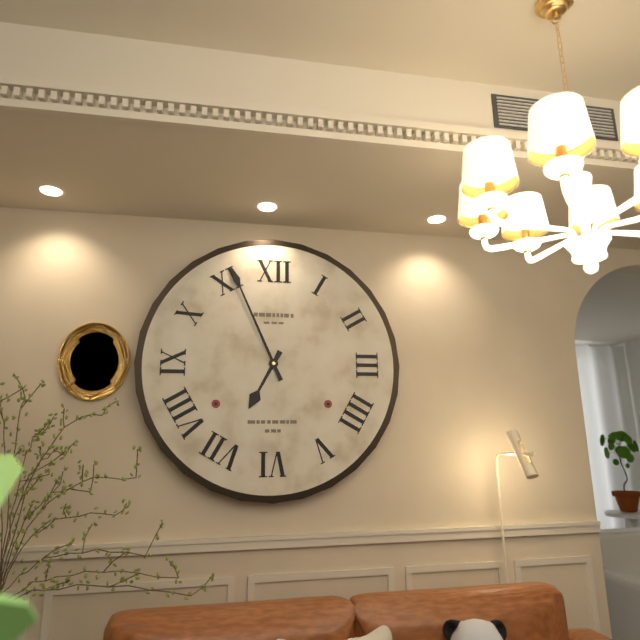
6:56
